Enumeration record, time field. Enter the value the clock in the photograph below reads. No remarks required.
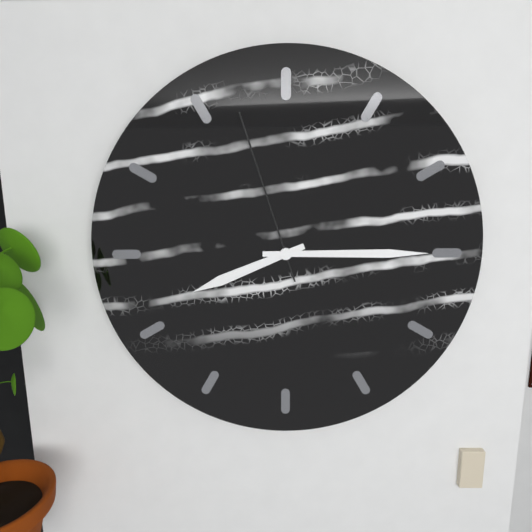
8:15:57
